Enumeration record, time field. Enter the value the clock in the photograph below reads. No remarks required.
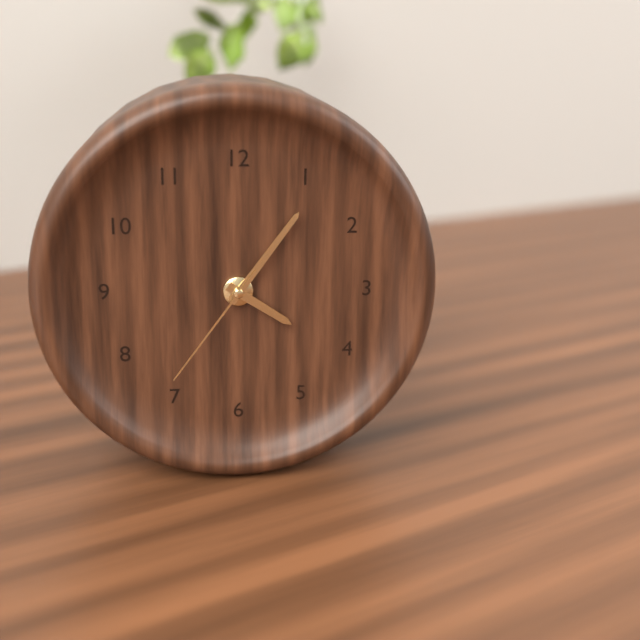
4:06:36
